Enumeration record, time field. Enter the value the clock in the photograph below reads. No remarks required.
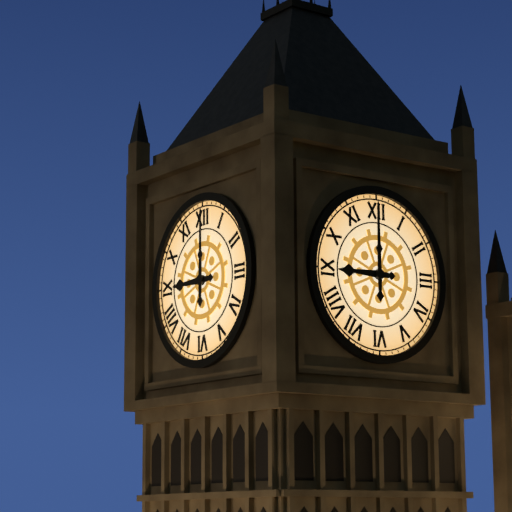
9:00
